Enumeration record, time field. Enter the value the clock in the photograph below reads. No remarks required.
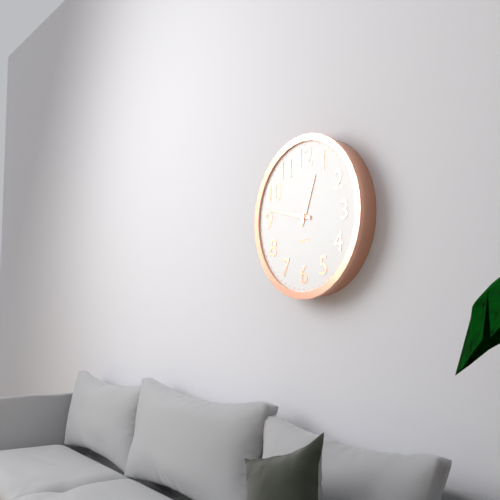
12:47
